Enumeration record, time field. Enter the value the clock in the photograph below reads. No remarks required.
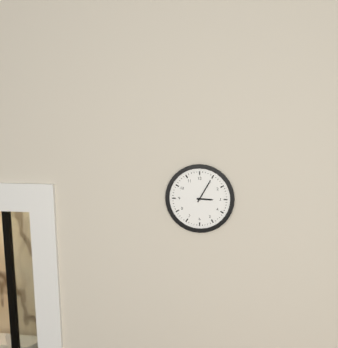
3:05
